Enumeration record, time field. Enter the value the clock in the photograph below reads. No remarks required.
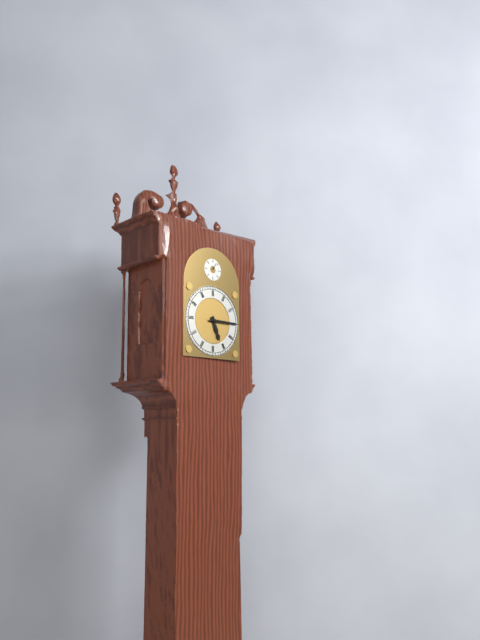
5:15
